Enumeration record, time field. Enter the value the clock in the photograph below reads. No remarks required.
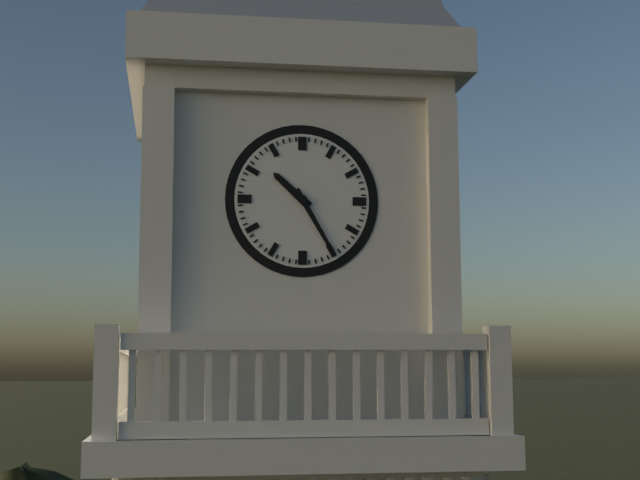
10:25
